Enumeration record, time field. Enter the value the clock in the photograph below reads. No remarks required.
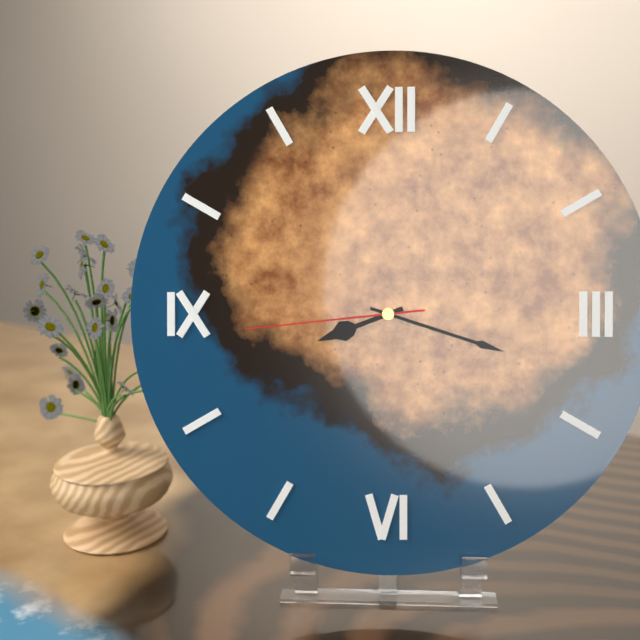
8:18:44
